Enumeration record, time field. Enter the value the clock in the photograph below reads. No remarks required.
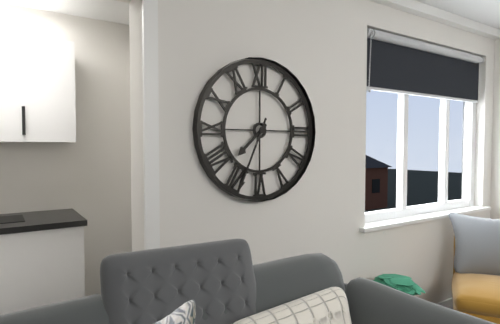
7:34
